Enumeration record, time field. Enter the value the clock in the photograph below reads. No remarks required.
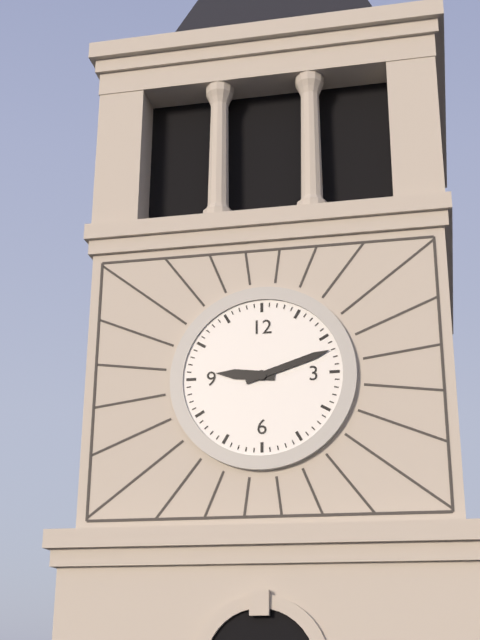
9:12
